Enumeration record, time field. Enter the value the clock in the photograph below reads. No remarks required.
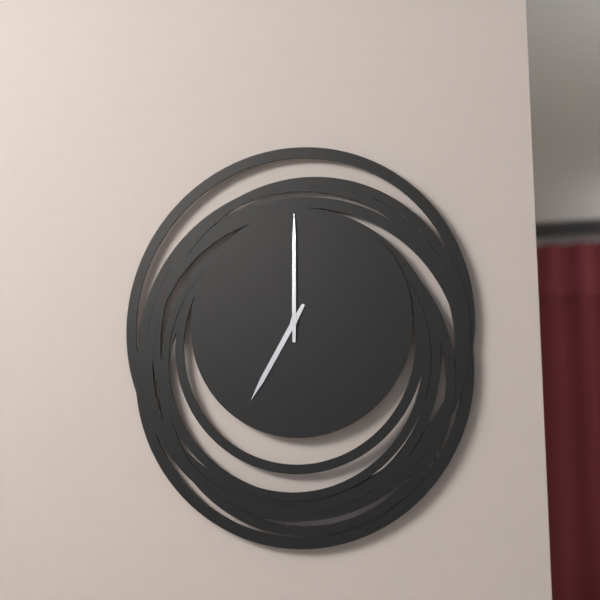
7:00
